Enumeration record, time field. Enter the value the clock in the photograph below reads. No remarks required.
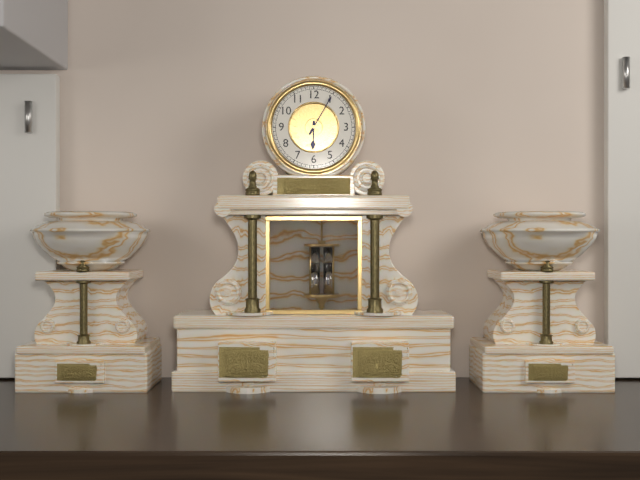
6:05
